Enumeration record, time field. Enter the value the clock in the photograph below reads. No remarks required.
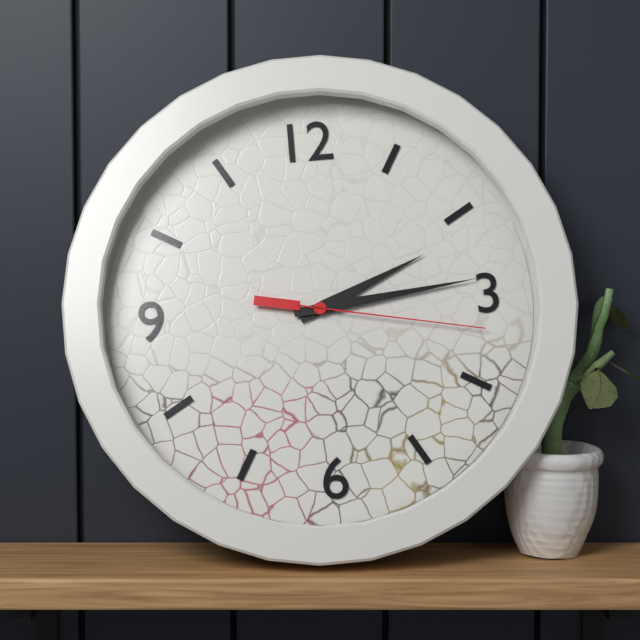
2:14:17
